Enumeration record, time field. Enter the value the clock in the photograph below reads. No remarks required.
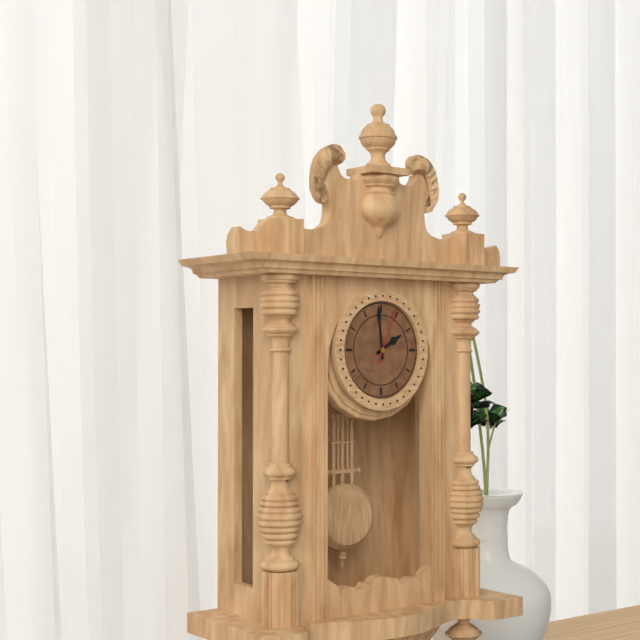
1:59:04
